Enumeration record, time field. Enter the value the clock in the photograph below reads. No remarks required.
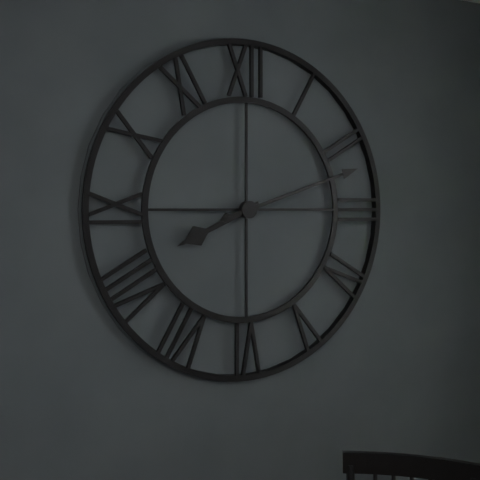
8:12
